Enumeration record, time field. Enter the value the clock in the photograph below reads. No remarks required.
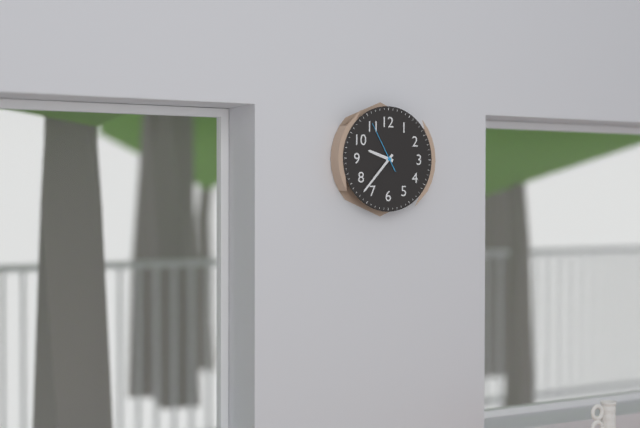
9:37
